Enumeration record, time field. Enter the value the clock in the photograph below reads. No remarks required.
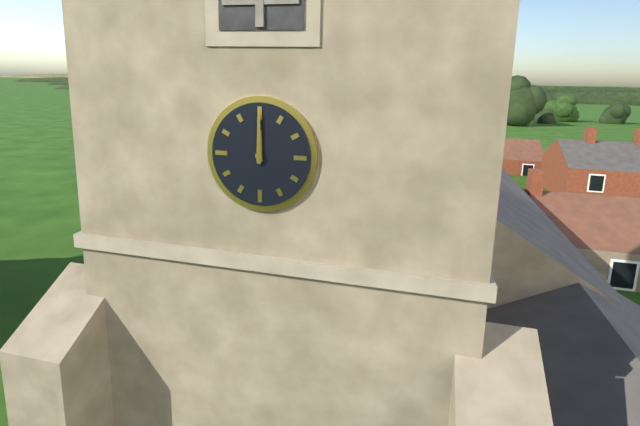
12:00
